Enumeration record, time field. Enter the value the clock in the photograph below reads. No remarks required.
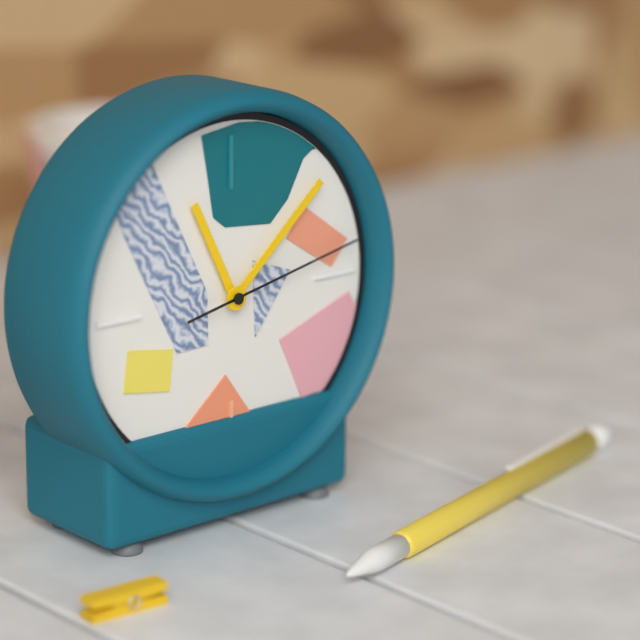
11:08:13
